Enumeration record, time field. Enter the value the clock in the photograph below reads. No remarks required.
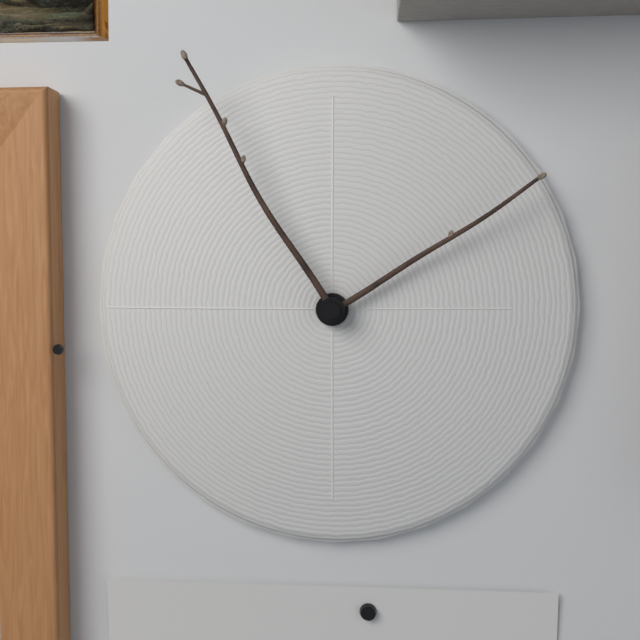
1:55
